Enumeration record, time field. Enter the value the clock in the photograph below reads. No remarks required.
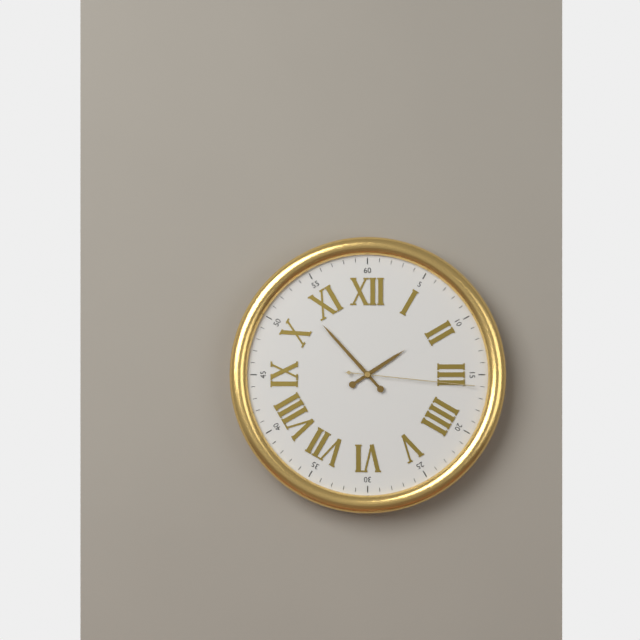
1:53:16
